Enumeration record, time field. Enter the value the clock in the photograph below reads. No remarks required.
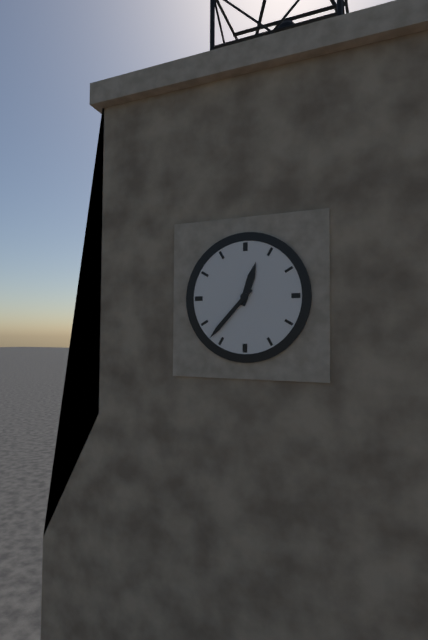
12:37
